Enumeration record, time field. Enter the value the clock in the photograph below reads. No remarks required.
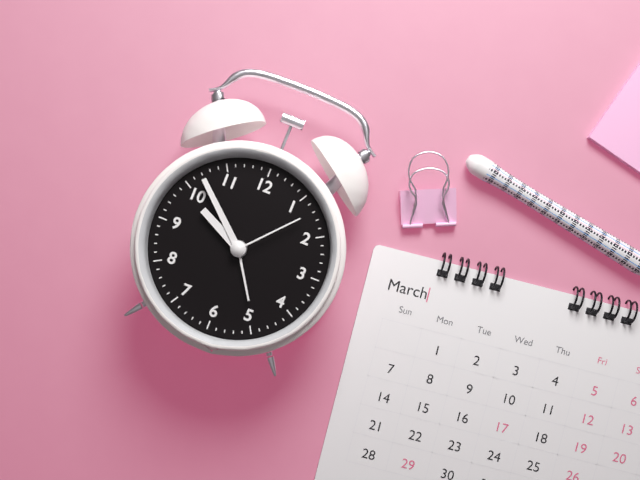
9:52:07
